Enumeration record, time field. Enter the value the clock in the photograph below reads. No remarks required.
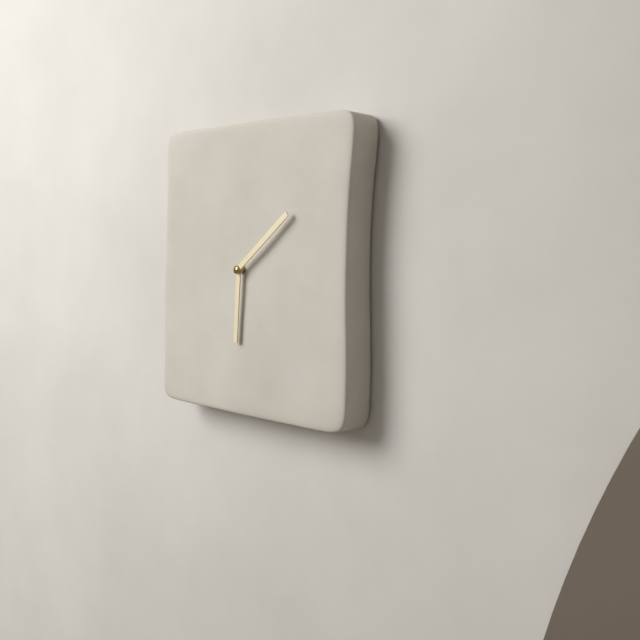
6:09
